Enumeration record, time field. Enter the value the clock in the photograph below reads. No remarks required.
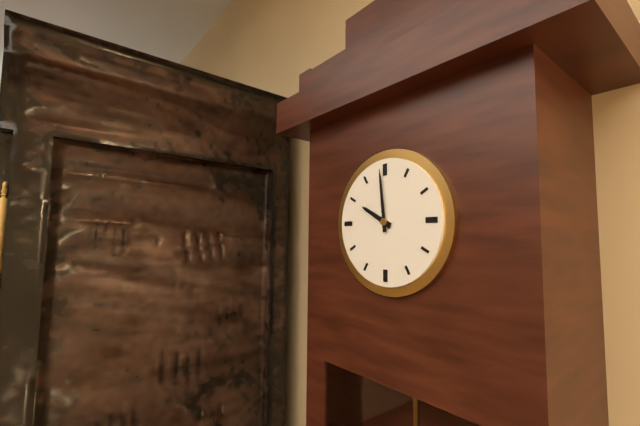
9:59
